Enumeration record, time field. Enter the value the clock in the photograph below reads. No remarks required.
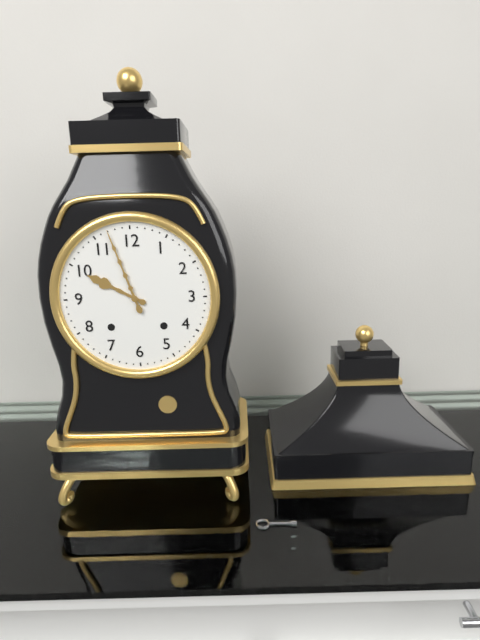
9:57
